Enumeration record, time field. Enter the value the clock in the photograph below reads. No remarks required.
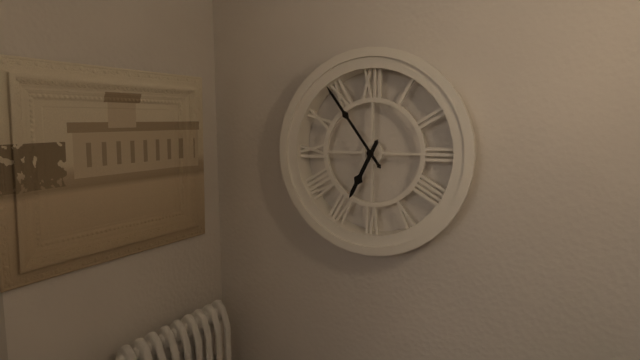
6:54
